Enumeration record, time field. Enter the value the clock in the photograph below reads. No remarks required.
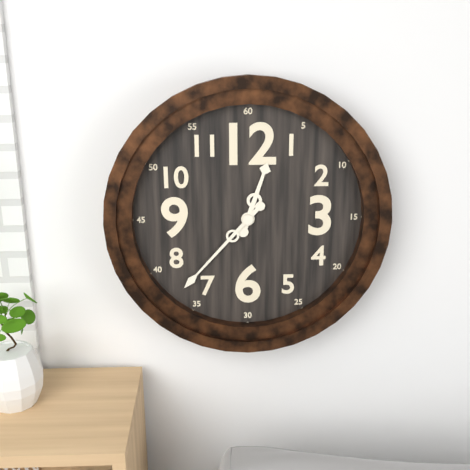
12:37
